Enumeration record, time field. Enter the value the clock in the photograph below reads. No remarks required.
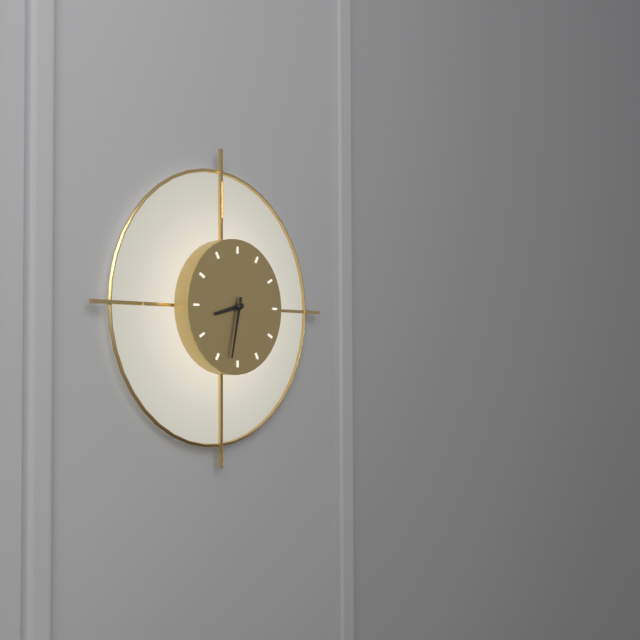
8:32
